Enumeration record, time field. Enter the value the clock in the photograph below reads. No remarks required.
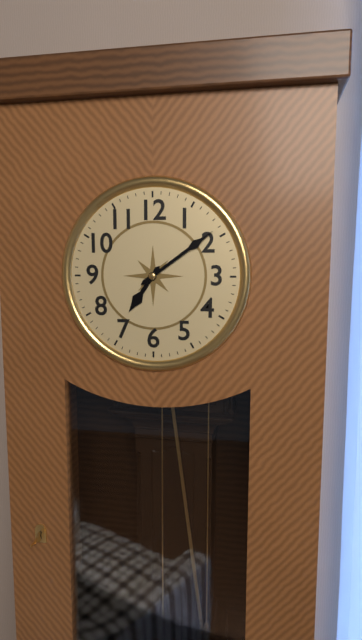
7:09
